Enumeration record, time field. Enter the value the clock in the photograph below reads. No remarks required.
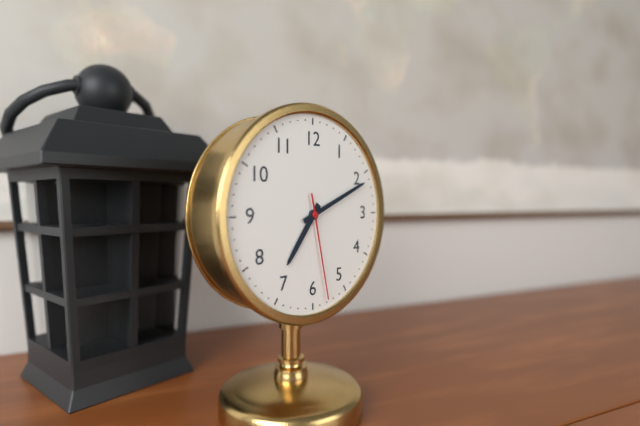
7:11:28
